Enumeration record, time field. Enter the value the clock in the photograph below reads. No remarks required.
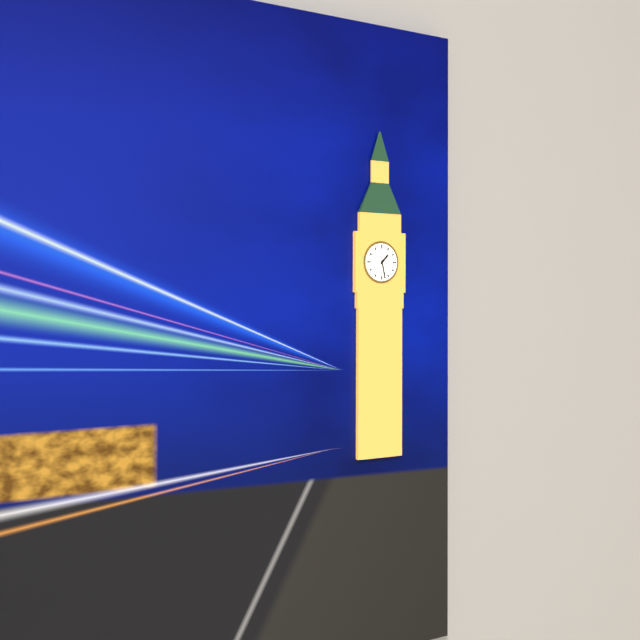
1:28
